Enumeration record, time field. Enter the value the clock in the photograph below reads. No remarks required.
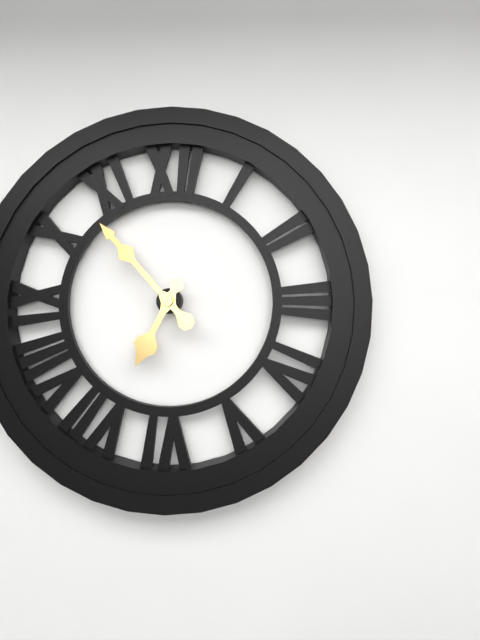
6:53
